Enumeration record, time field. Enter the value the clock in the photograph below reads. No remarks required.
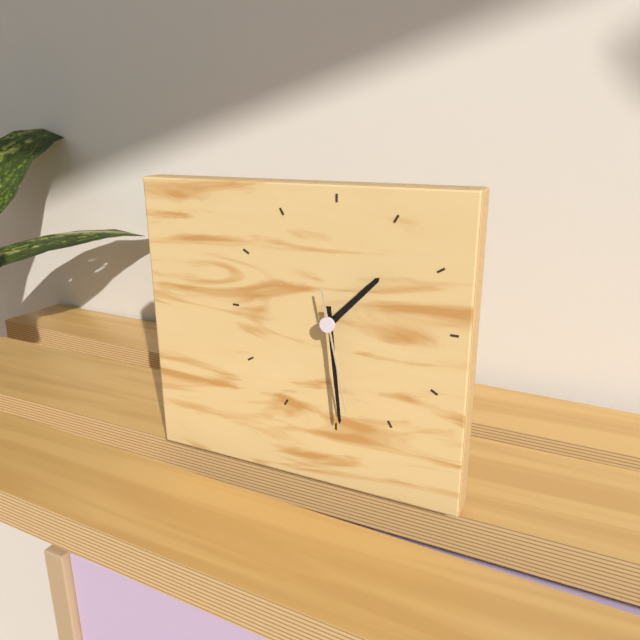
1:29:28
